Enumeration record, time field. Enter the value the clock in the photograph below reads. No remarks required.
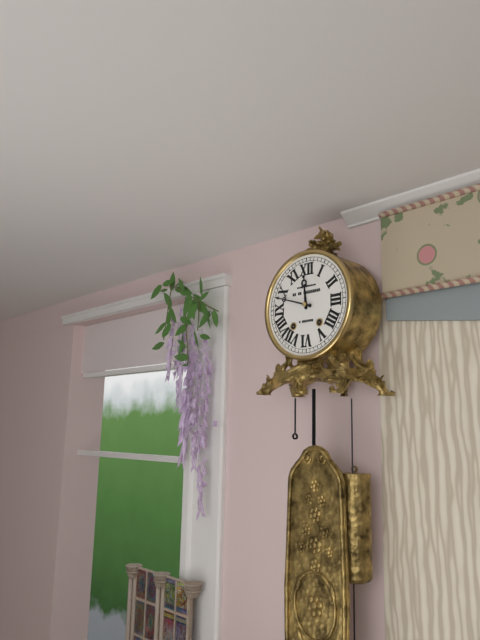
11:48
